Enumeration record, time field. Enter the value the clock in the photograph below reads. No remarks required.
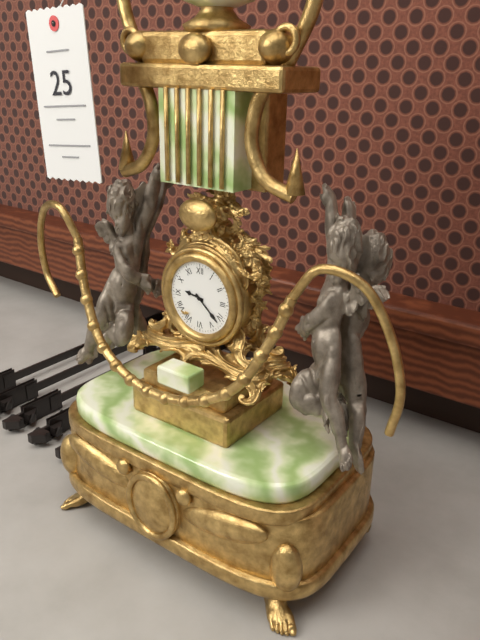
9:22
